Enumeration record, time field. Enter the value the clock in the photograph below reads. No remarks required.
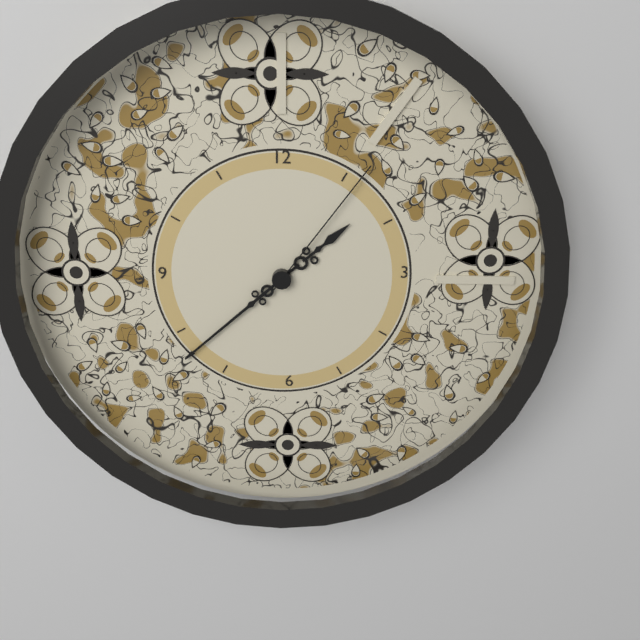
1:38:06
